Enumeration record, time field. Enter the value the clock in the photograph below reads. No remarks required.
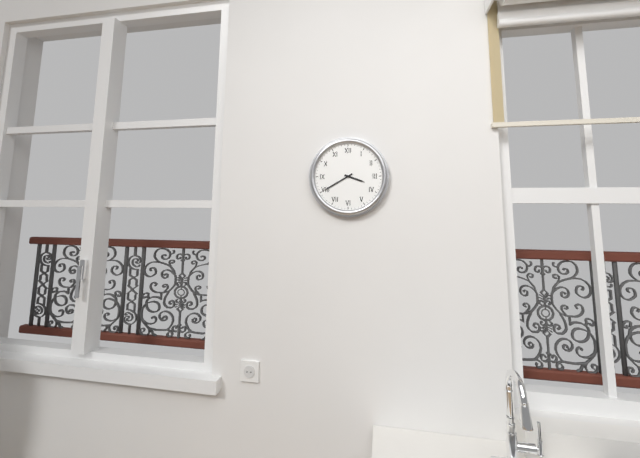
3:40
